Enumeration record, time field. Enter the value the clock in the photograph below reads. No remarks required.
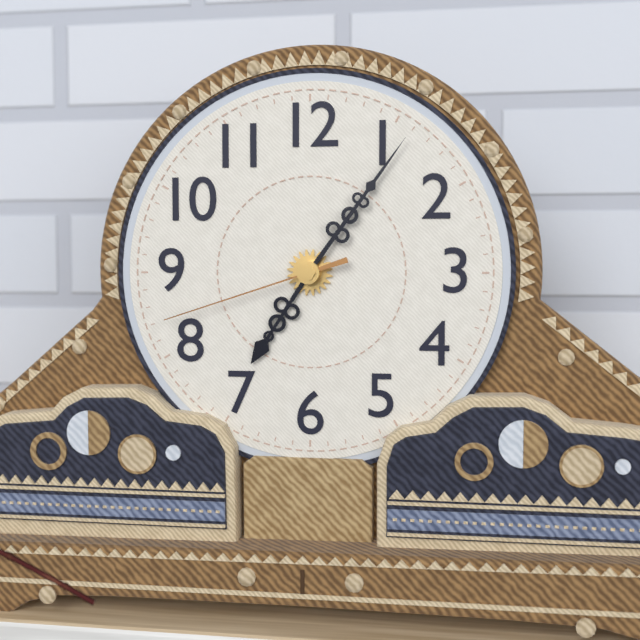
7:06:42
